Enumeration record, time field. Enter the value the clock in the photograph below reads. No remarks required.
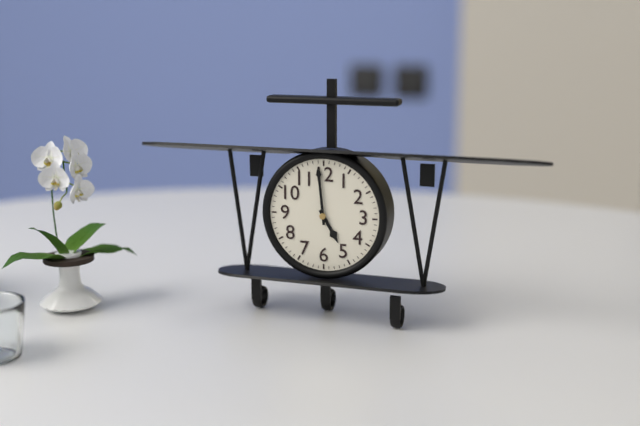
4:59
